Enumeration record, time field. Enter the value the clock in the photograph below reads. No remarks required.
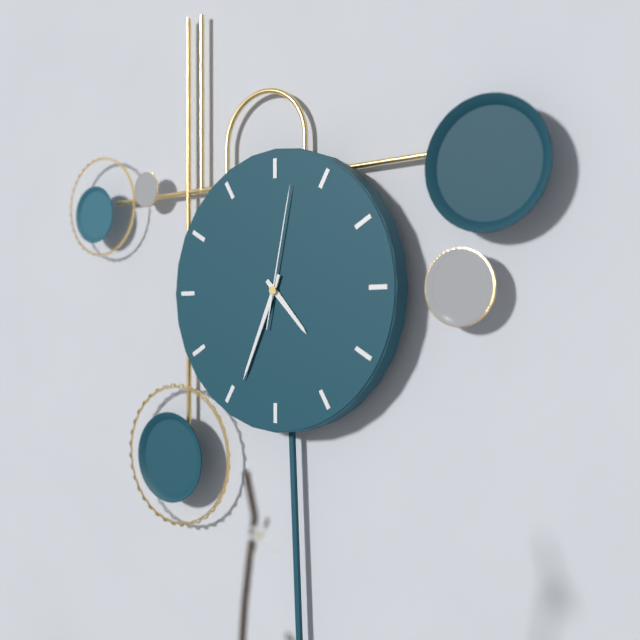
4:34:02
